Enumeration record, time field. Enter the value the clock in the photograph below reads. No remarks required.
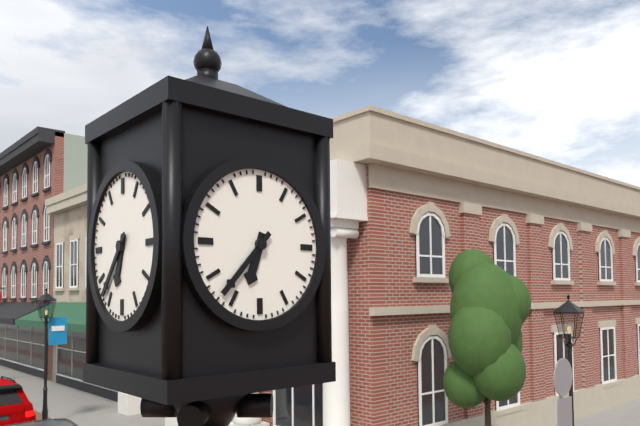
6:37
